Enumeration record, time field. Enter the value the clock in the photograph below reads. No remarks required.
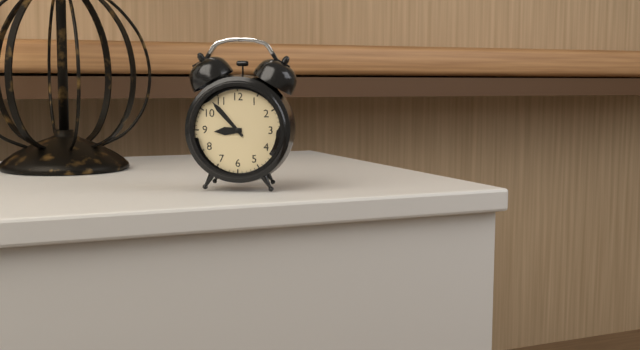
8:53
